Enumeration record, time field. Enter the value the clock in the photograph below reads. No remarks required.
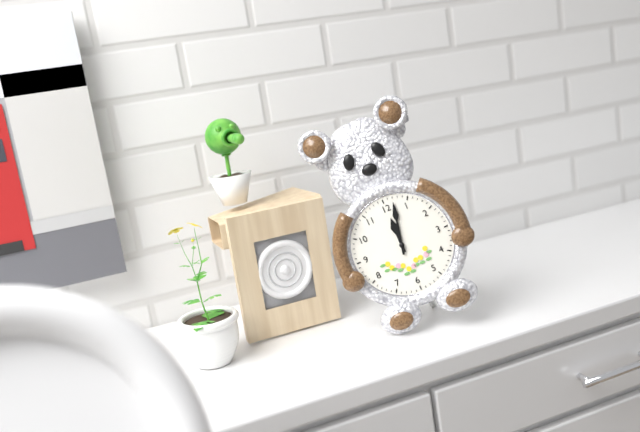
12:02
